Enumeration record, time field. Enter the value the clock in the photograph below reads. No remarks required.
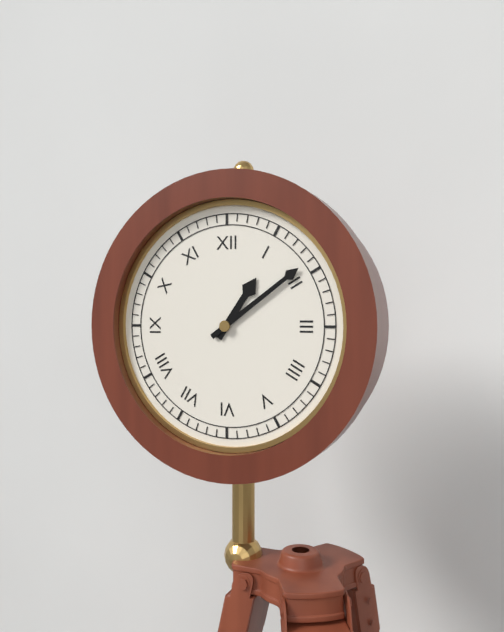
1:09
